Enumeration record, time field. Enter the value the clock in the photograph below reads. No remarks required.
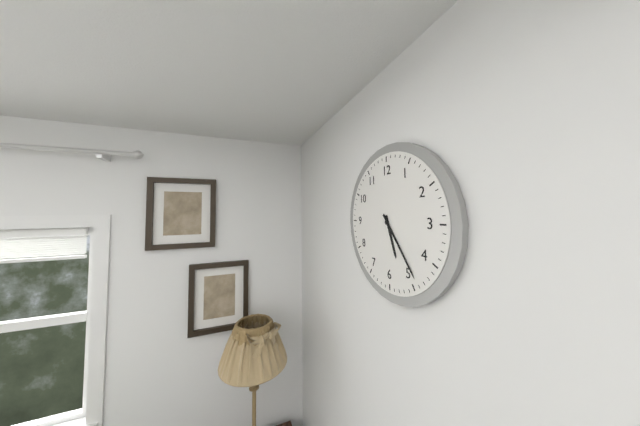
5:24
